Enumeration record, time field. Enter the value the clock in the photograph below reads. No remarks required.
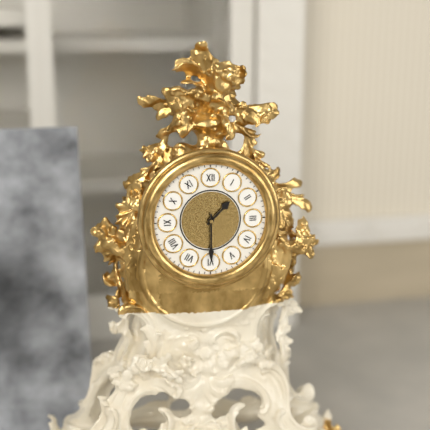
1:30
